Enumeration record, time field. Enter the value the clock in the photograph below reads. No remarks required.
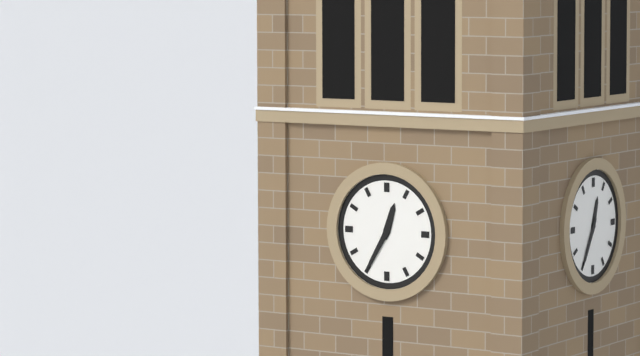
12:35
